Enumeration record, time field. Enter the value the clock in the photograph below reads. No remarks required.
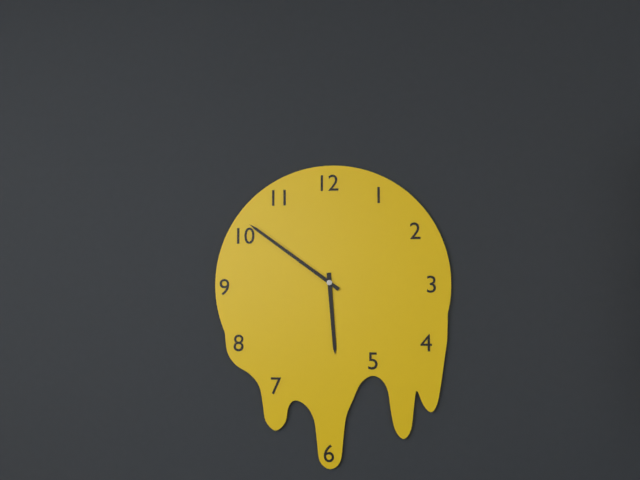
5:51
